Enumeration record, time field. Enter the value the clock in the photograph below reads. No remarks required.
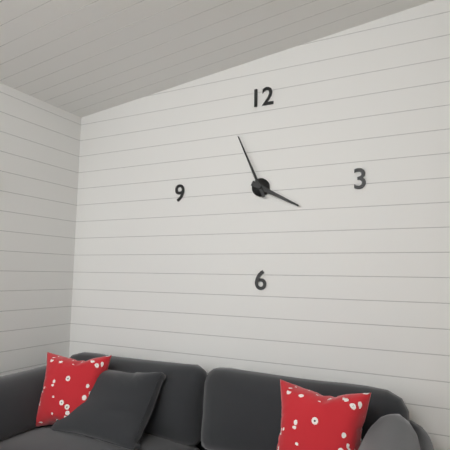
3:56
